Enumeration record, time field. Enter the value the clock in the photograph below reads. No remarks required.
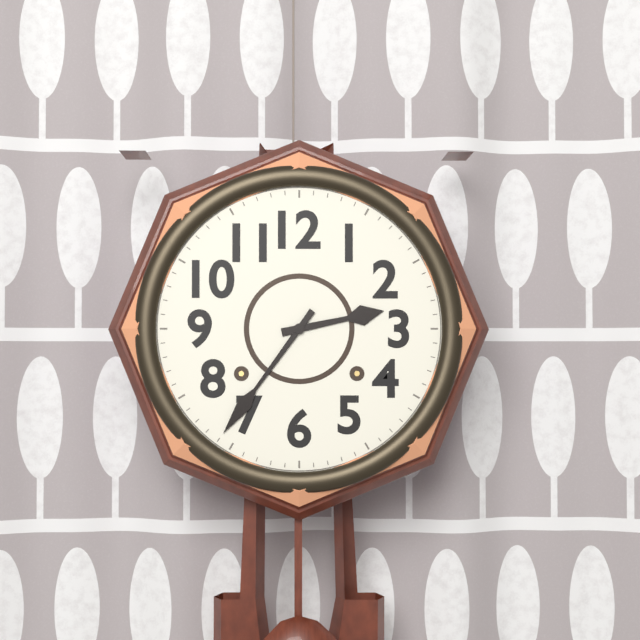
2:36
